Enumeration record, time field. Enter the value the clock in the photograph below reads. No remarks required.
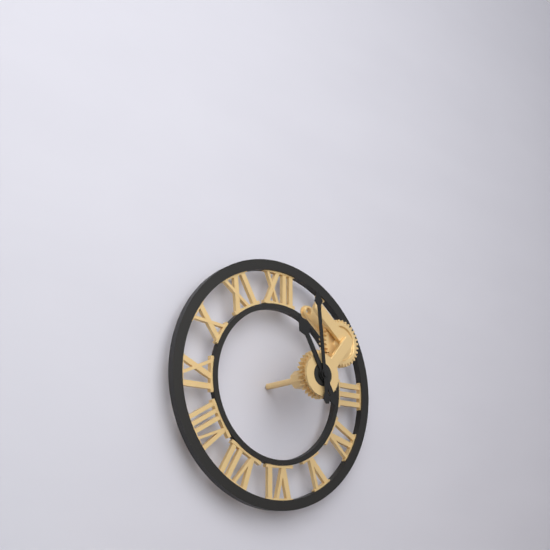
10:59
